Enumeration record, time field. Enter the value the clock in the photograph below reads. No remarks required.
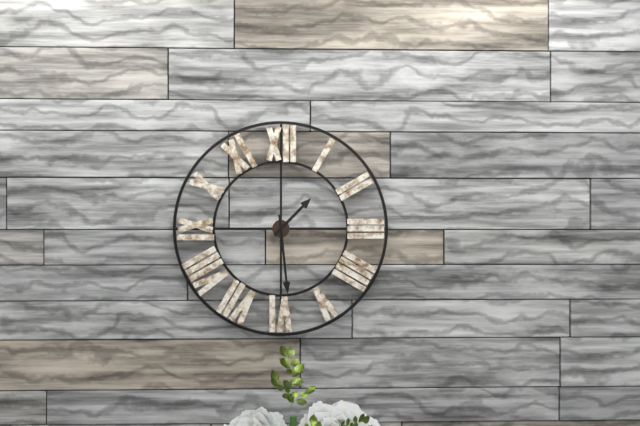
1:29
